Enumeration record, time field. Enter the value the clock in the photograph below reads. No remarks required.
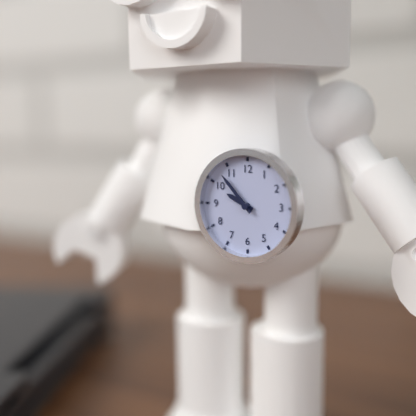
9:53
